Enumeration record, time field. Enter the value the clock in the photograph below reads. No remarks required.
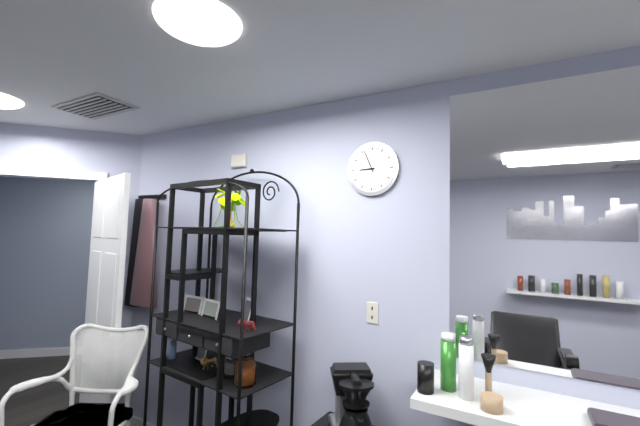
8:56
